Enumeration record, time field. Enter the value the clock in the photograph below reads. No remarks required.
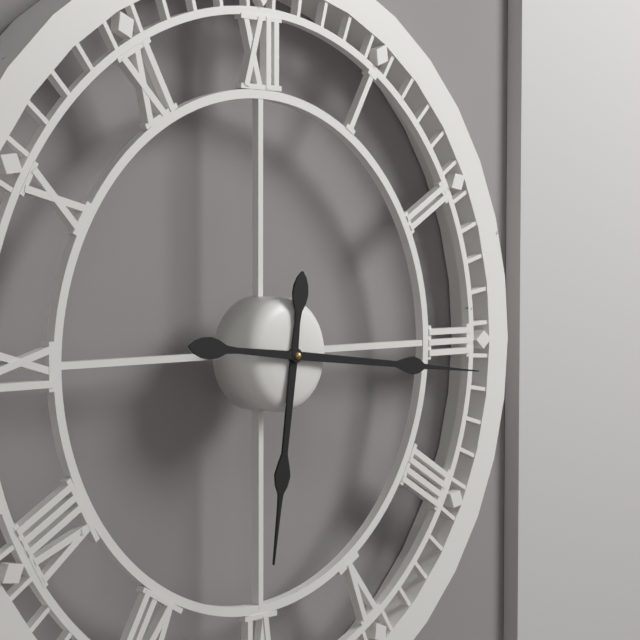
6:16
